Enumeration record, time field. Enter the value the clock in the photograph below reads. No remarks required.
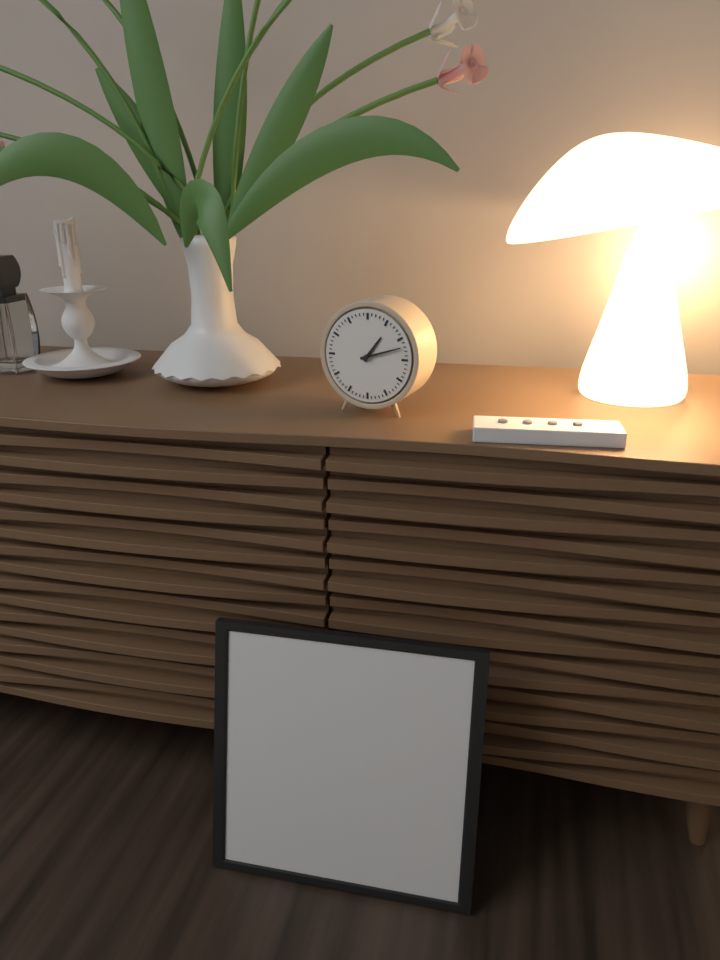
1:12
